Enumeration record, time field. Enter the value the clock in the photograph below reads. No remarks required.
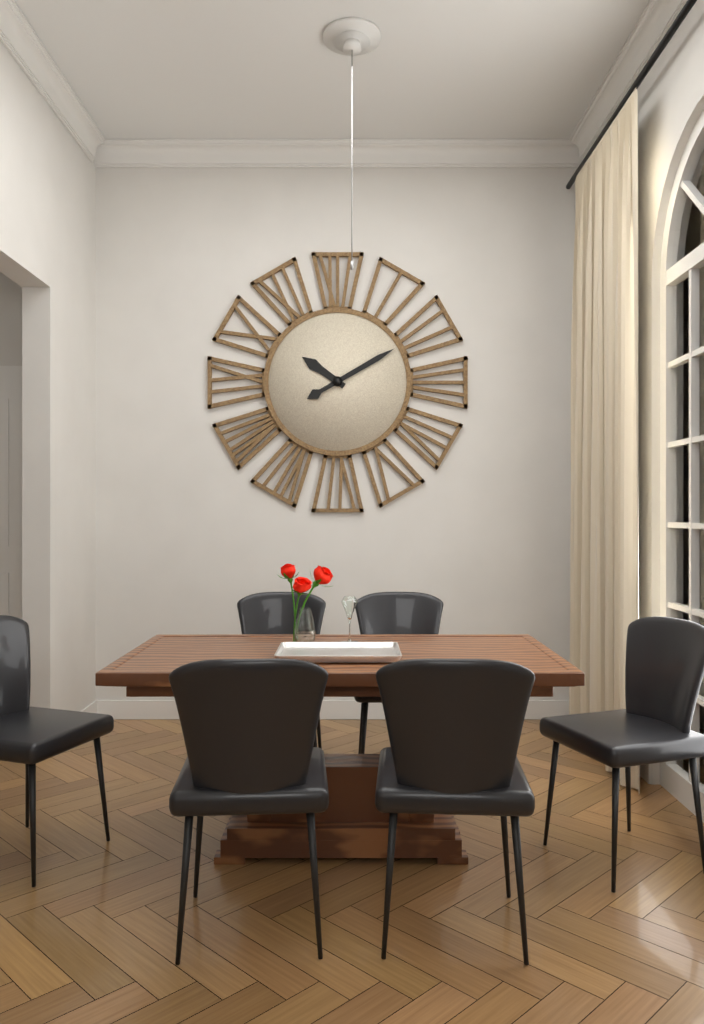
10:10
